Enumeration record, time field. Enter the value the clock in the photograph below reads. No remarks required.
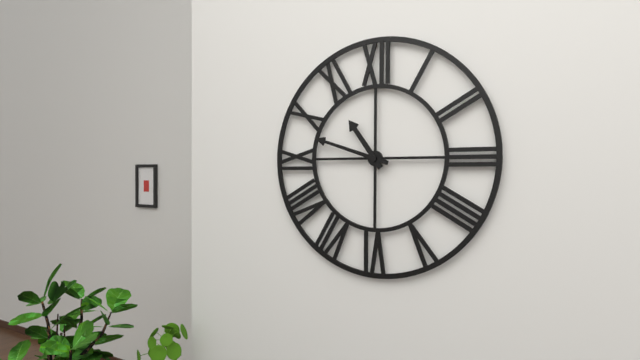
10:48
